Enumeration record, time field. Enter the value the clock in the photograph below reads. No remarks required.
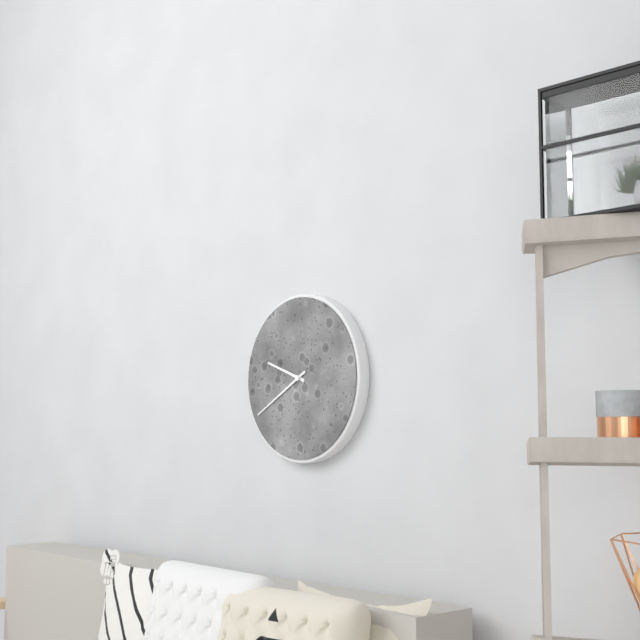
9:40
